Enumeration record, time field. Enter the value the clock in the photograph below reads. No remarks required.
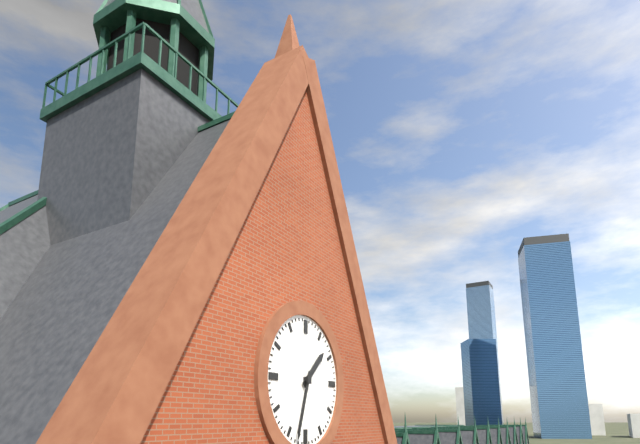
1:33
